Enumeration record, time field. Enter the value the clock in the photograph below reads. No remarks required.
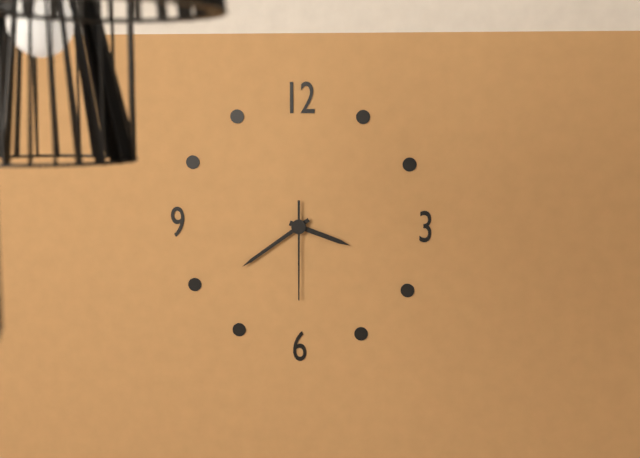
3:39:30
